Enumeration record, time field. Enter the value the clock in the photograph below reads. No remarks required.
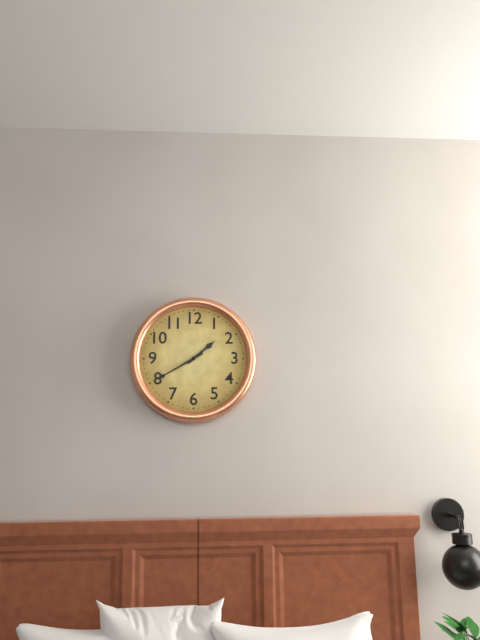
1:40
